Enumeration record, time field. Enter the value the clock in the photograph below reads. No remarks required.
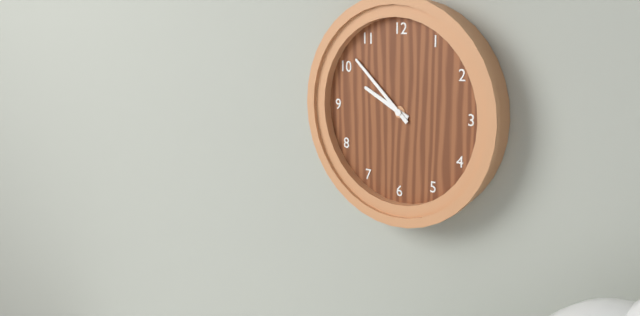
9:52
